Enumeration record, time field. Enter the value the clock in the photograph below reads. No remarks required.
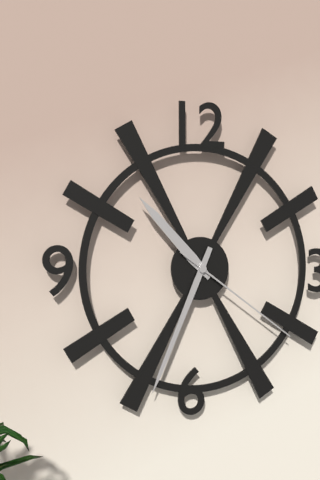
10:34:21
